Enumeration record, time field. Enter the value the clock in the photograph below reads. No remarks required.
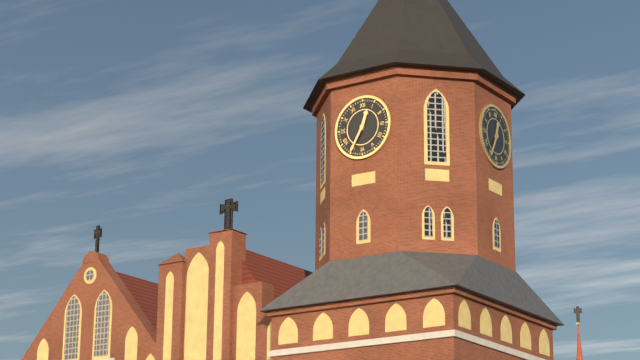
12:35
